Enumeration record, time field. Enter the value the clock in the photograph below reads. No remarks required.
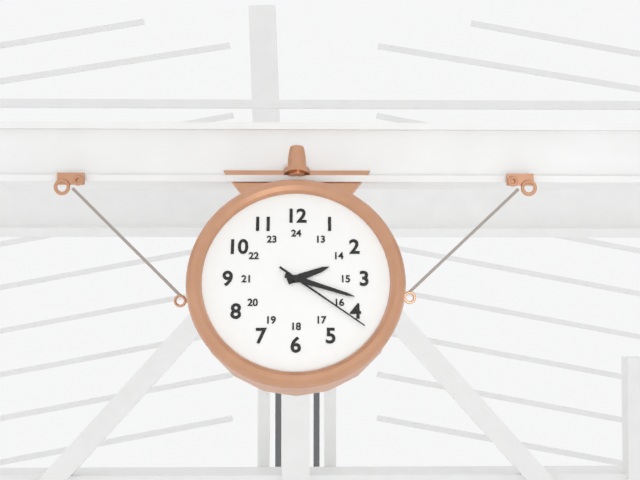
2:18:21
